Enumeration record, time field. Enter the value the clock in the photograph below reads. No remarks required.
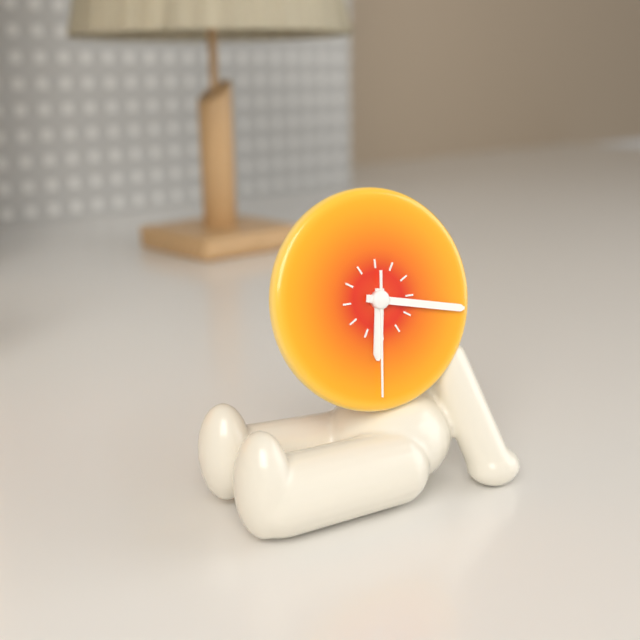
6:17:31
